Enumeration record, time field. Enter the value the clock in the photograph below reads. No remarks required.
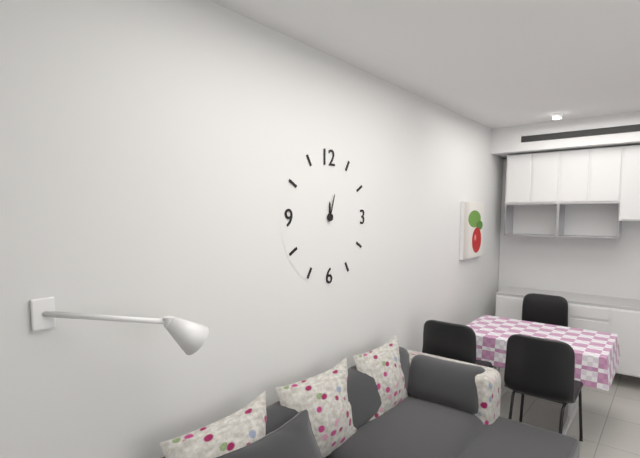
12:03
